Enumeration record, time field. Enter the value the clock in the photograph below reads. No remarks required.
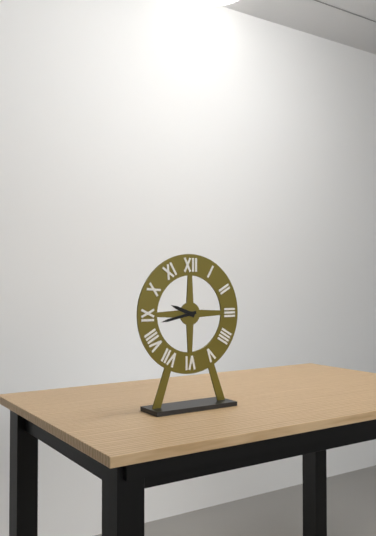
9:43
